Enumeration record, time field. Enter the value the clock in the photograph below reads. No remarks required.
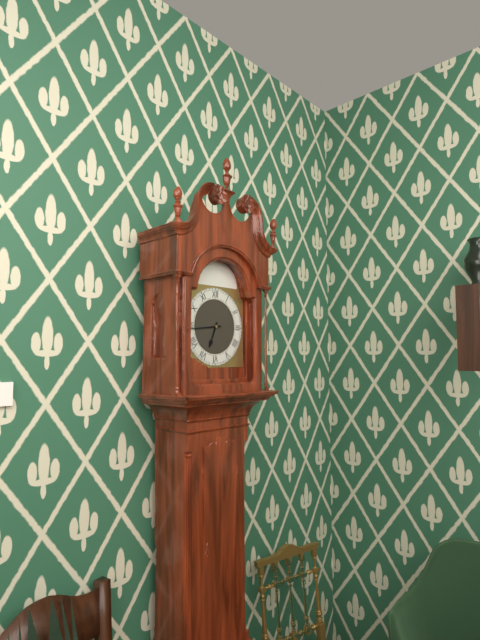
6:44
